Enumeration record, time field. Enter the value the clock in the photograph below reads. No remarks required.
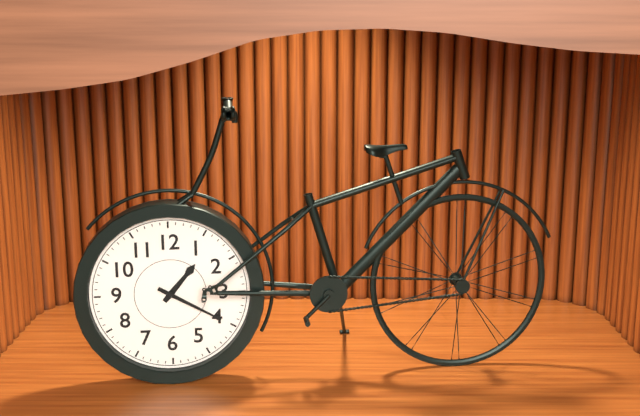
1:20
